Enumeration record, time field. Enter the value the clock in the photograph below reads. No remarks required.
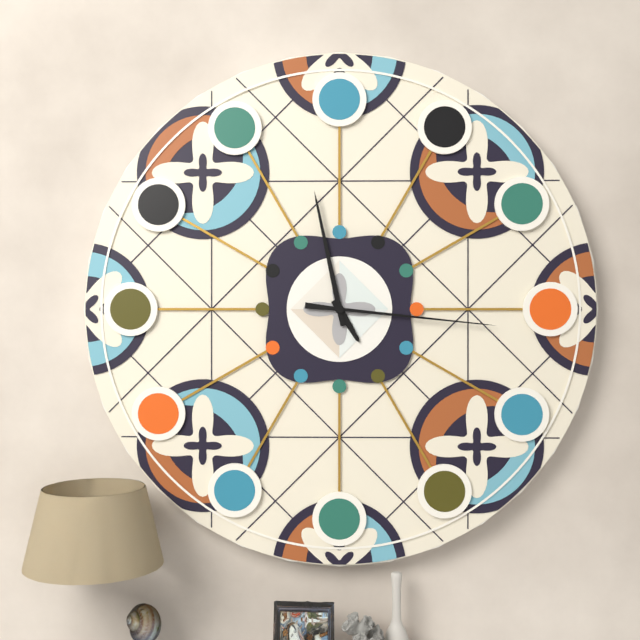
4:58:16
